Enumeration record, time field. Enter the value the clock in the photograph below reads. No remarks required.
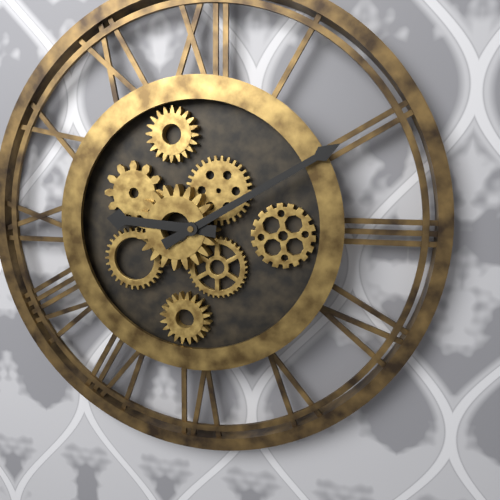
9:10
